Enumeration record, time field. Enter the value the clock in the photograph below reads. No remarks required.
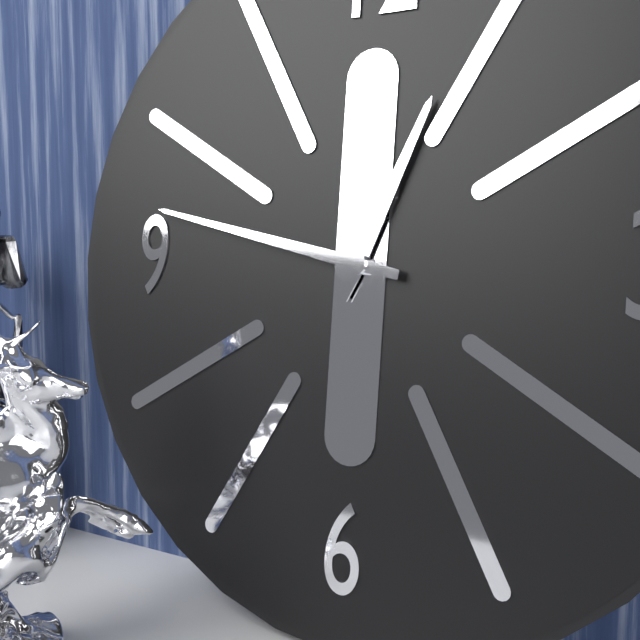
12:47
